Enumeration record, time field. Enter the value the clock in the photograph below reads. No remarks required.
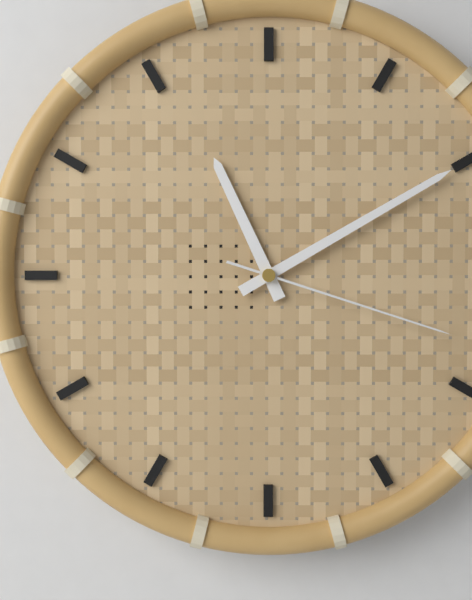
11:10:18
